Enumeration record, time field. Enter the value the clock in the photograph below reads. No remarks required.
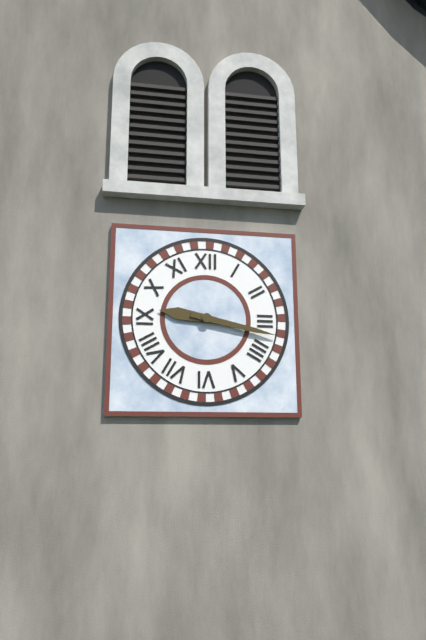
9:17
